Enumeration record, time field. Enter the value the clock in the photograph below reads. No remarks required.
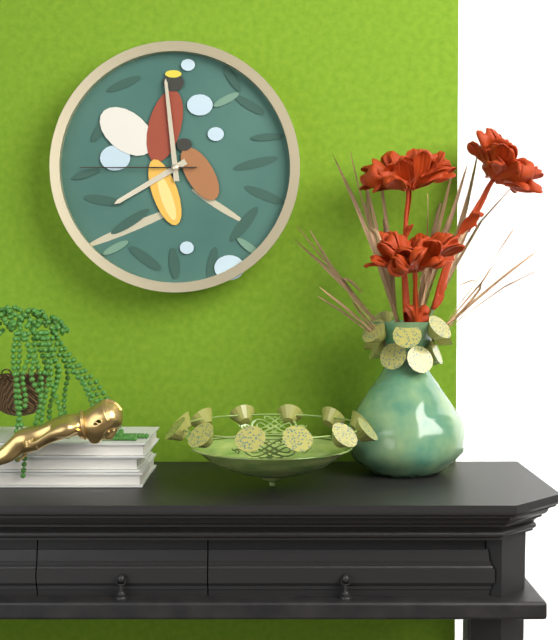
7:59:45
